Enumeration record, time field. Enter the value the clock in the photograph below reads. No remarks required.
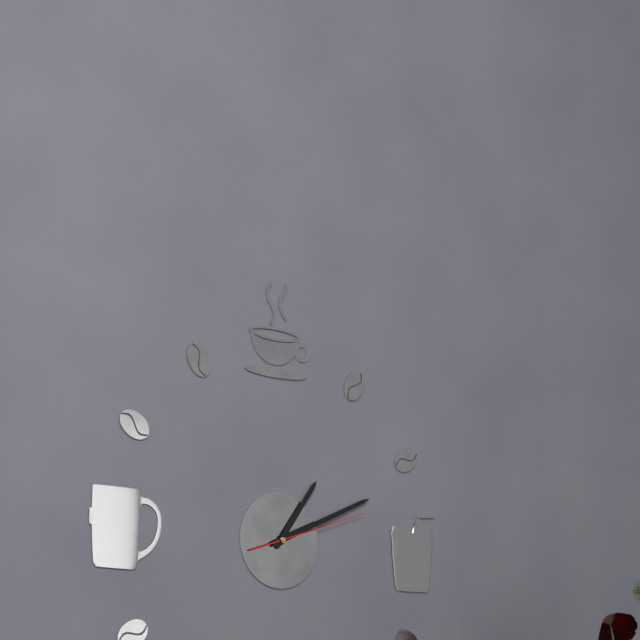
1:11:12
